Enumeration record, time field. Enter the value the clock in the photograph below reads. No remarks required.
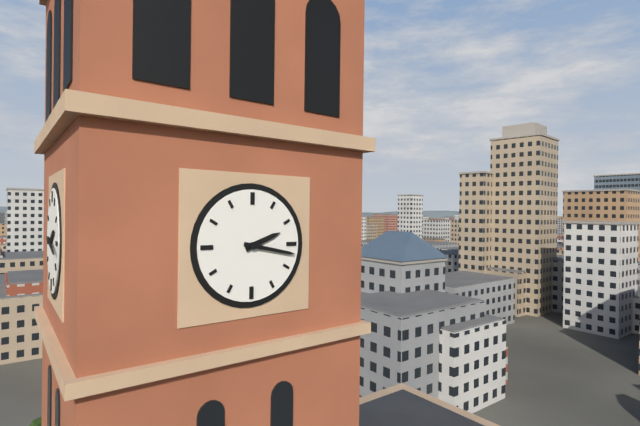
2:17
